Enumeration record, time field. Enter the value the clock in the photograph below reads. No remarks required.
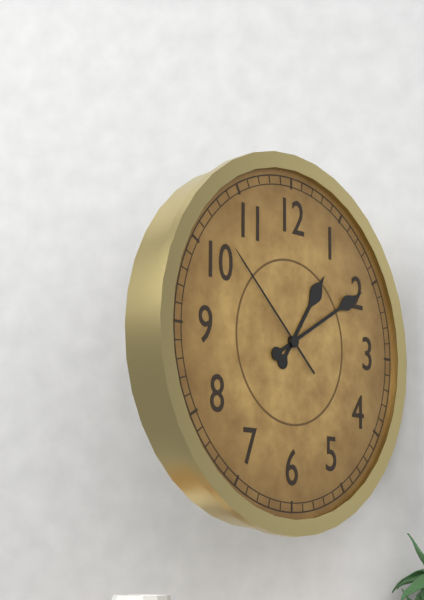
1:10:52
